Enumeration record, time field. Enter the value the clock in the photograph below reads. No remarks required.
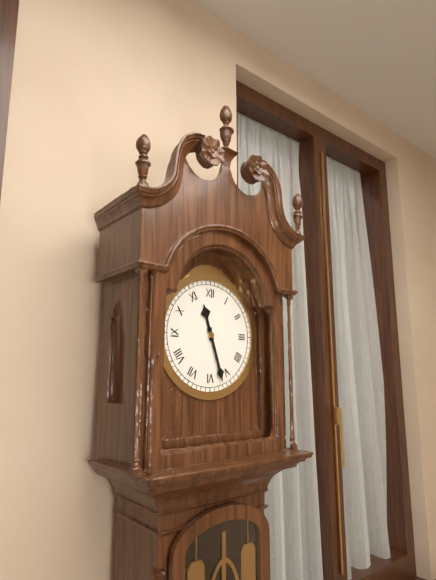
11:27
